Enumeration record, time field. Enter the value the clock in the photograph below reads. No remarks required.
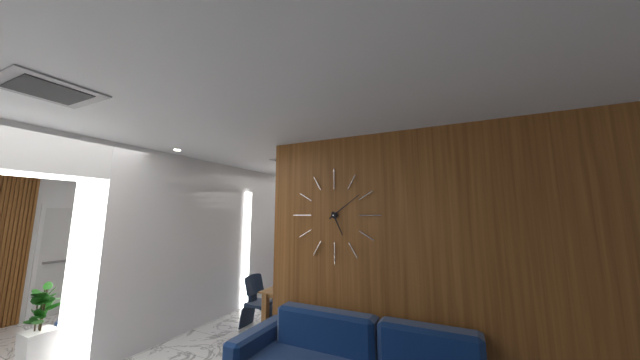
5:09
